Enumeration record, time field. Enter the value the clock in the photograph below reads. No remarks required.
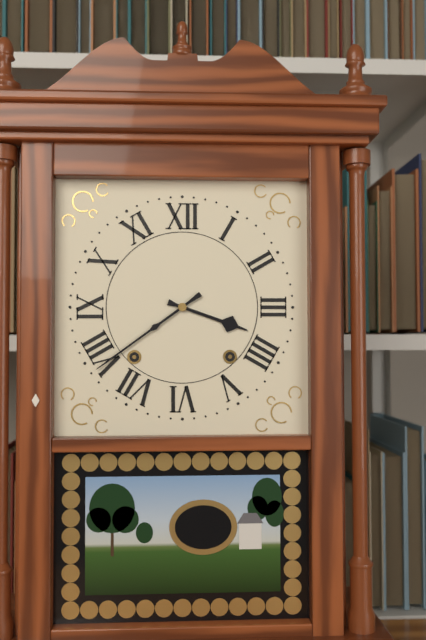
3:39
